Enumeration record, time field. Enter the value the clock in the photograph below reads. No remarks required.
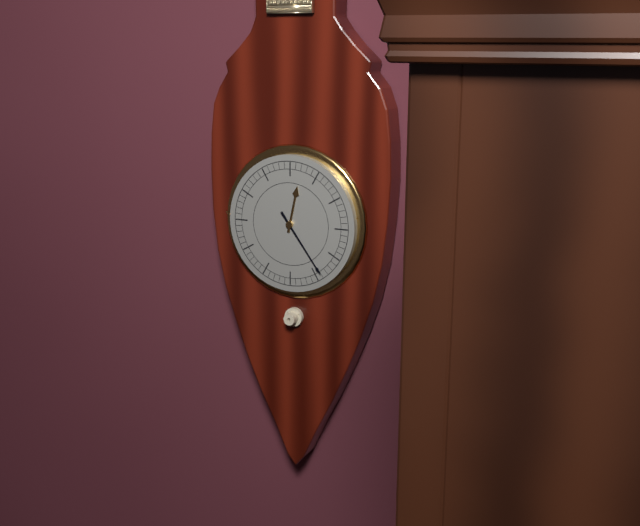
12:24
